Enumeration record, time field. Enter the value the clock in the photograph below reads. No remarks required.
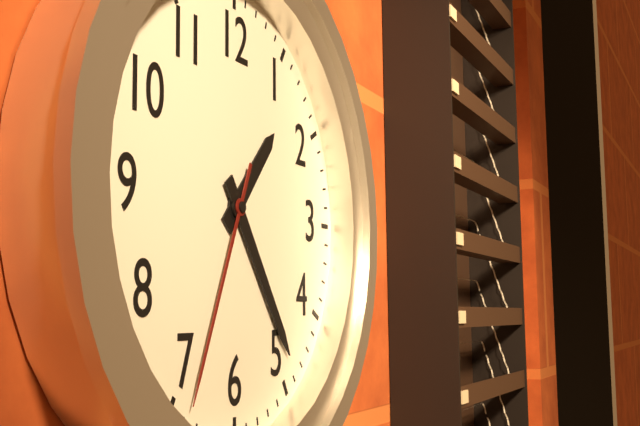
1:24:34
